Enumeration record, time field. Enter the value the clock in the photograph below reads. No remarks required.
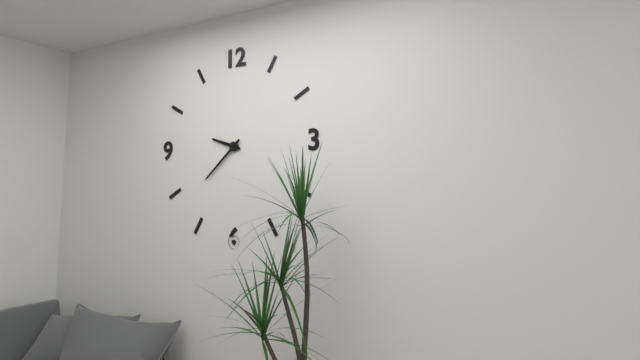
9:38
